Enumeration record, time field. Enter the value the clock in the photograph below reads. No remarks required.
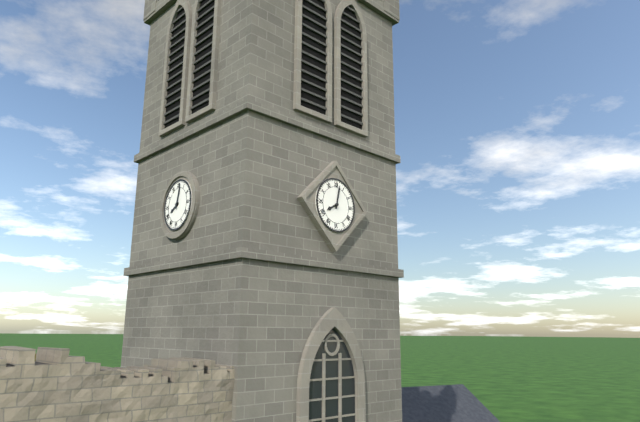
8:02
